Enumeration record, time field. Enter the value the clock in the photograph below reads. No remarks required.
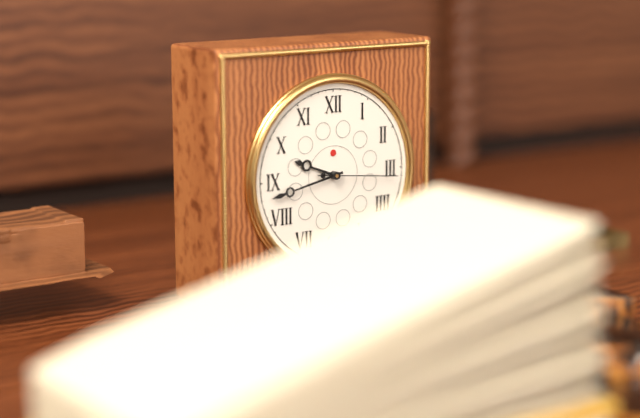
9:43:16
